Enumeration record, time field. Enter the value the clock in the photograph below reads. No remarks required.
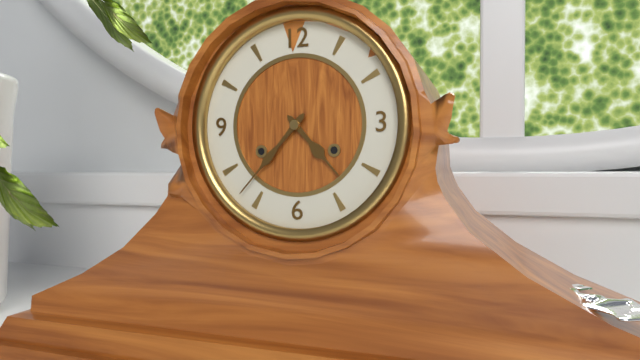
4:37
